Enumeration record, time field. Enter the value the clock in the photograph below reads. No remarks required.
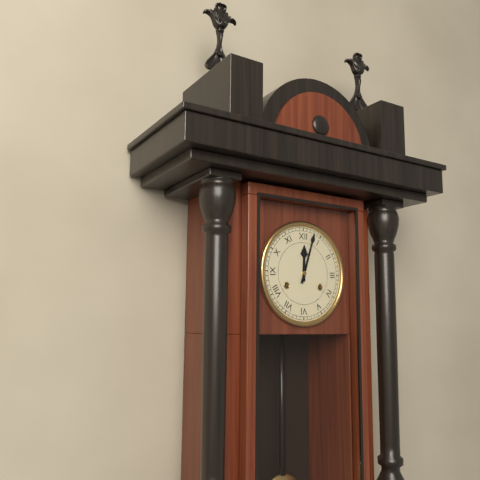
12:03
